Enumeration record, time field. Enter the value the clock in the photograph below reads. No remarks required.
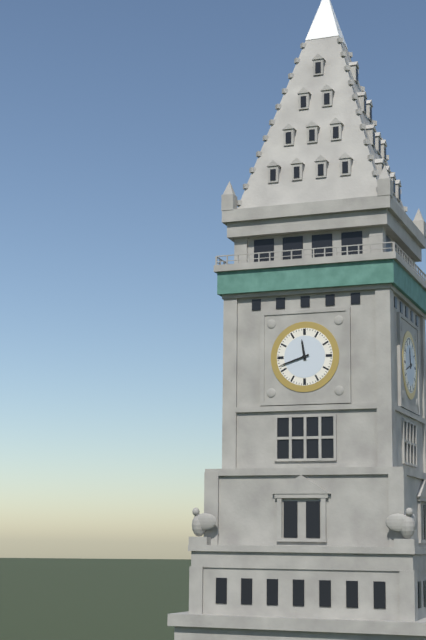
11:42
